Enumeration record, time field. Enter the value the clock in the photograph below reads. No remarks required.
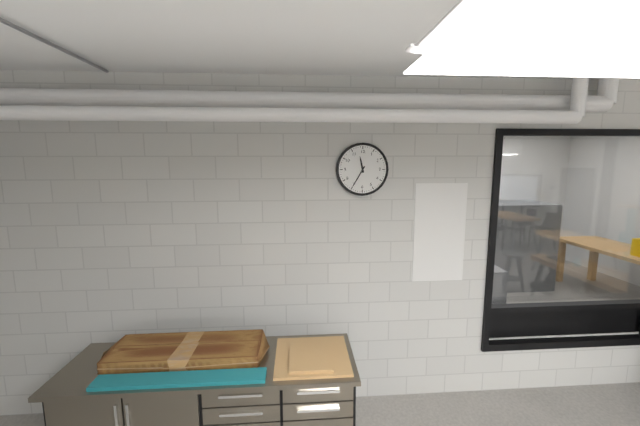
11:35
